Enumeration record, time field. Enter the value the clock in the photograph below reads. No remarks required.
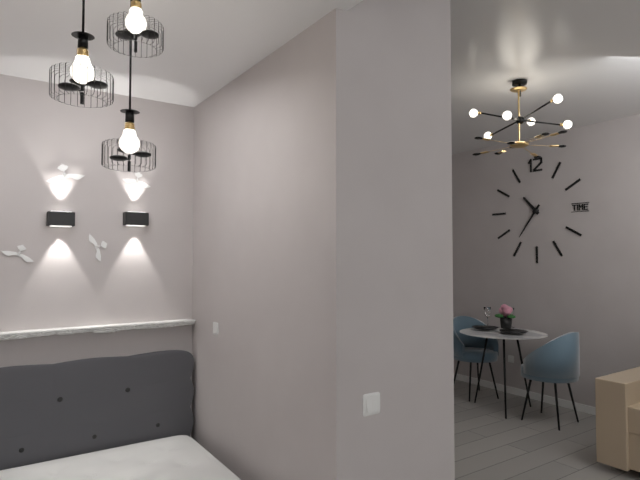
10:36
